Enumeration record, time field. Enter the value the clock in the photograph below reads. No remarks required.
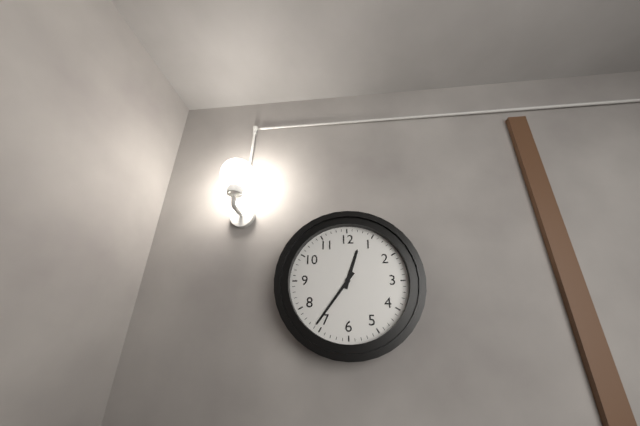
12:36
